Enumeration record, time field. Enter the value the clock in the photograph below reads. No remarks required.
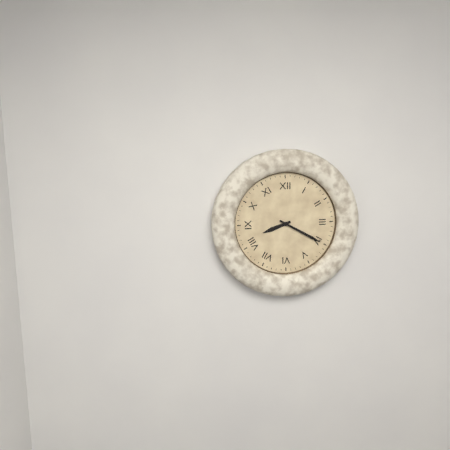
8:20
